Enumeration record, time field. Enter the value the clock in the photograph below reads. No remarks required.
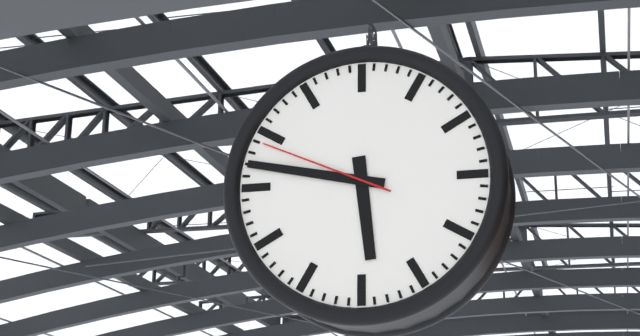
5:47:49
